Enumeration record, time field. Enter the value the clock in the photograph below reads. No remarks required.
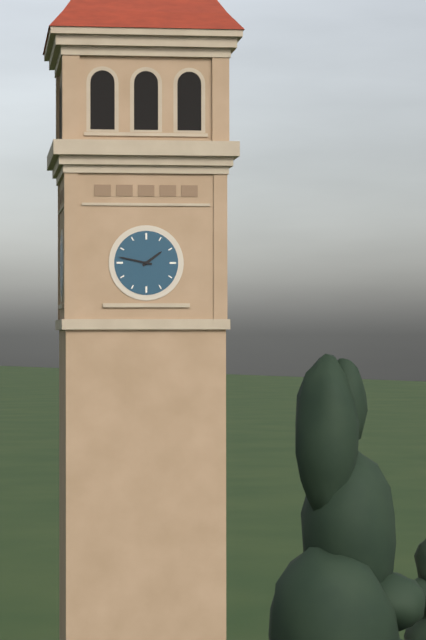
1:47
